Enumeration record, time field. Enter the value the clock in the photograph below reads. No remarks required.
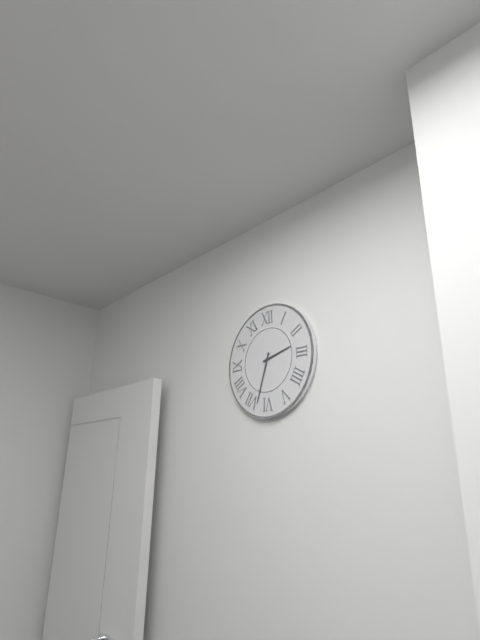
2:33
